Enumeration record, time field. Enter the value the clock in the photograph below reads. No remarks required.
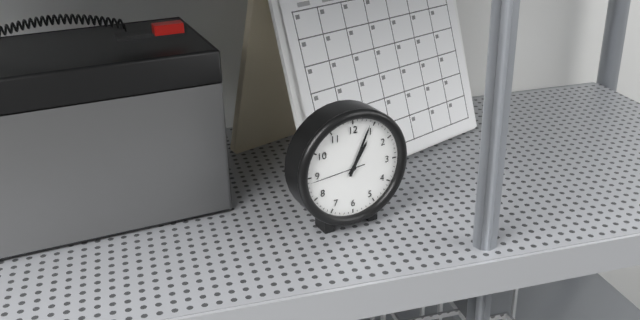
1:04:44
